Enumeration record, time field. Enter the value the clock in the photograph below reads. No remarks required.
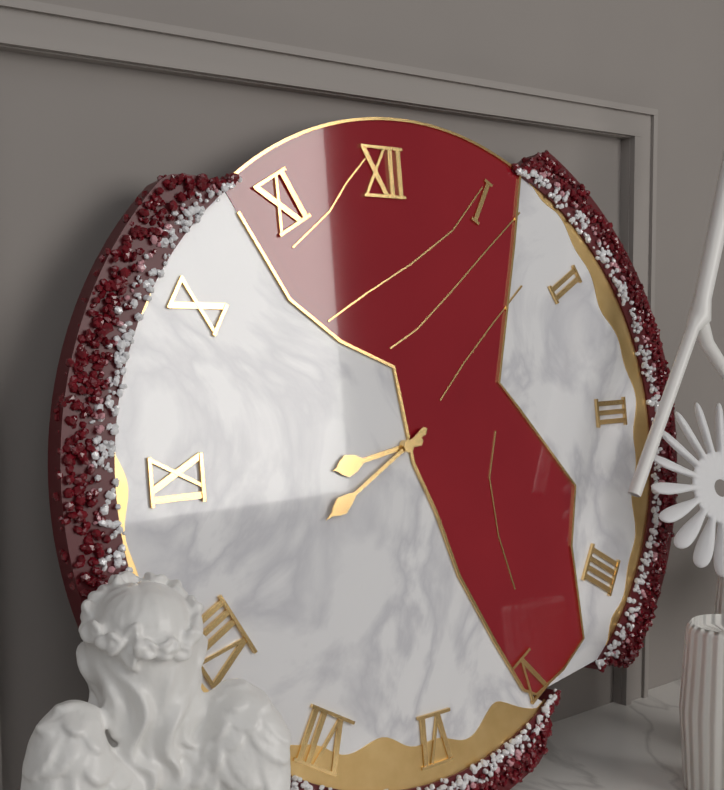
8:40
